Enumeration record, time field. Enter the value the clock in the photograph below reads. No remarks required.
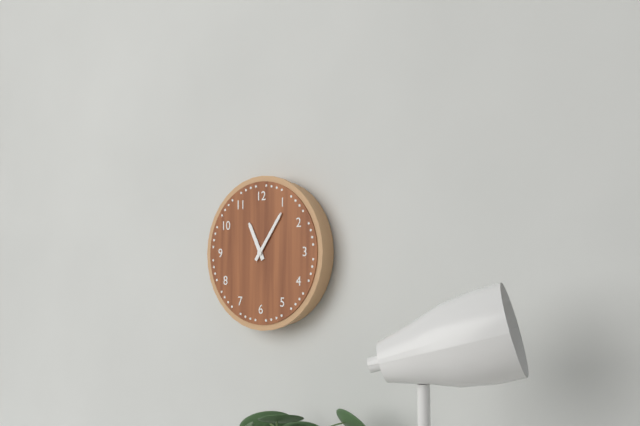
11:06
